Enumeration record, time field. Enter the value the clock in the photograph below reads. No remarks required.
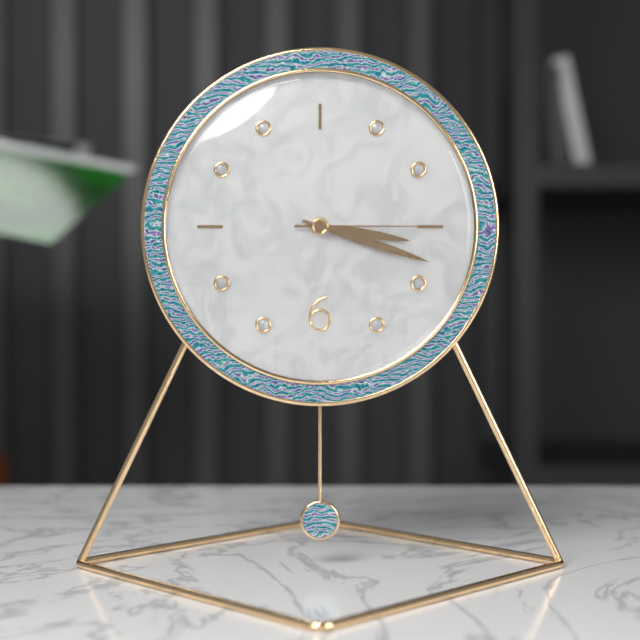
3:18:15
